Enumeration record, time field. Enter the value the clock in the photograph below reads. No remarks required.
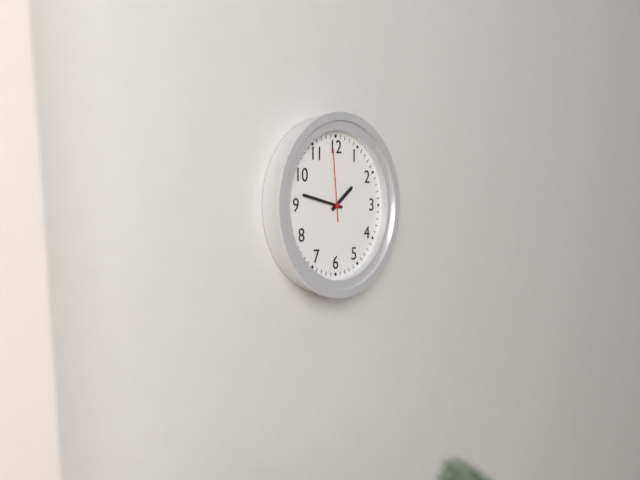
1:47:59
